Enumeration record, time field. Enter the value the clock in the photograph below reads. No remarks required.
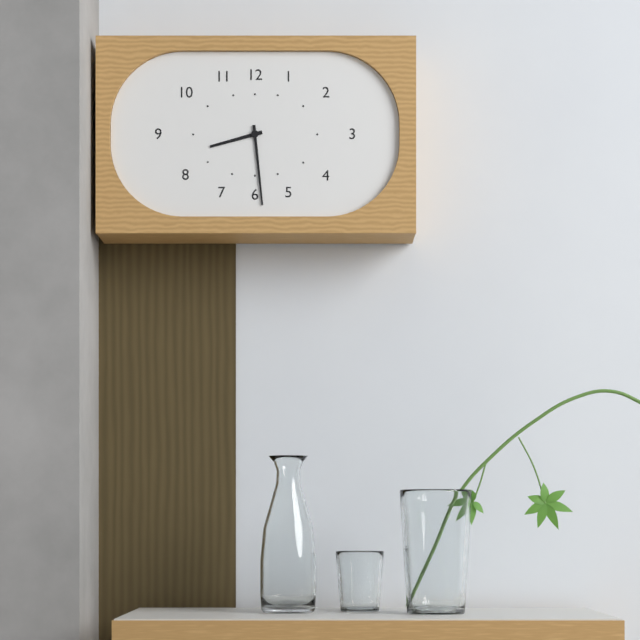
8:29
